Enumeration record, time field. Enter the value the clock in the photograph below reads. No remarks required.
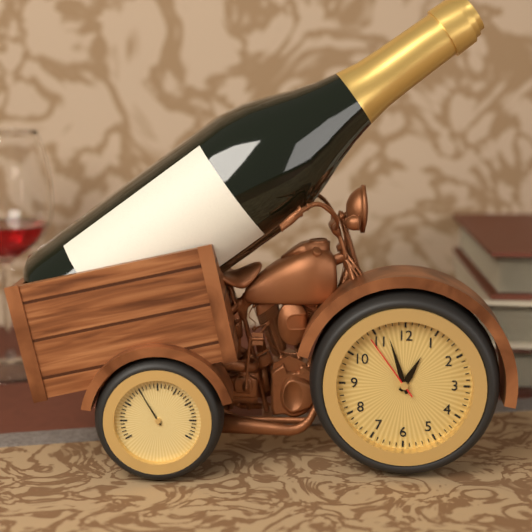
12:57:54
